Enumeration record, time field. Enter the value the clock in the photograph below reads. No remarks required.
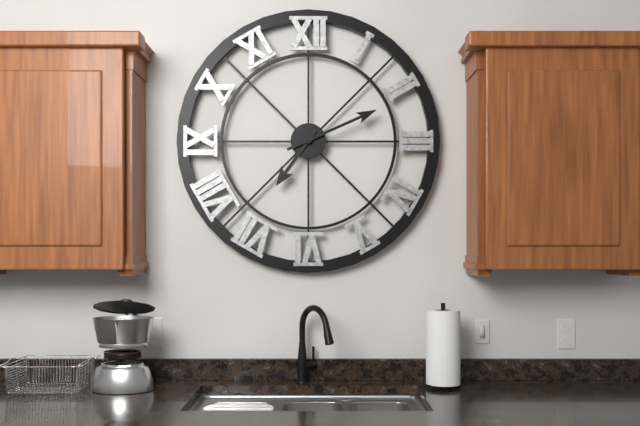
7:11
